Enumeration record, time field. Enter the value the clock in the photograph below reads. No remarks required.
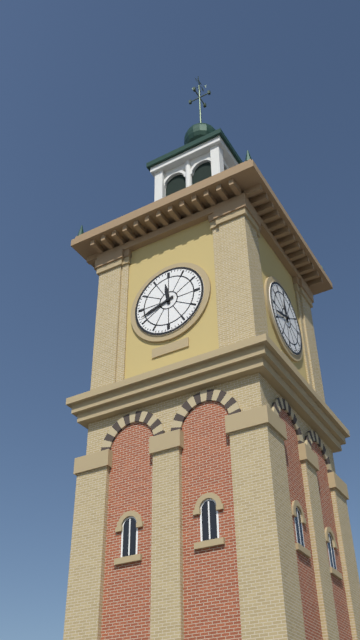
11:42
